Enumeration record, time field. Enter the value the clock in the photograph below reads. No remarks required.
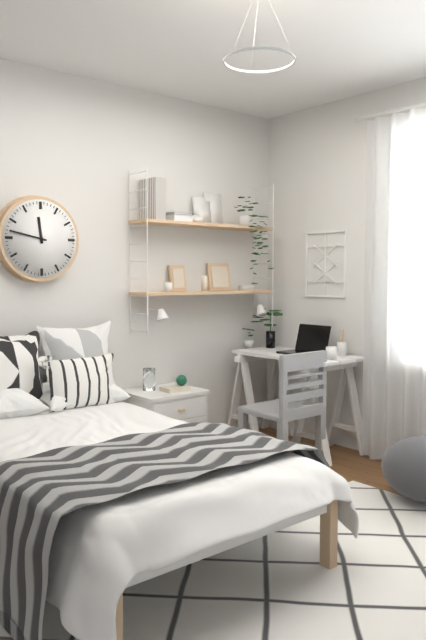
11:47
